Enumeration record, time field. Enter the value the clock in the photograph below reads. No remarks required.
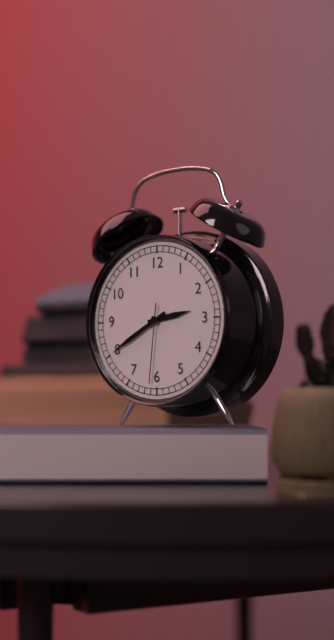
2:40:31
